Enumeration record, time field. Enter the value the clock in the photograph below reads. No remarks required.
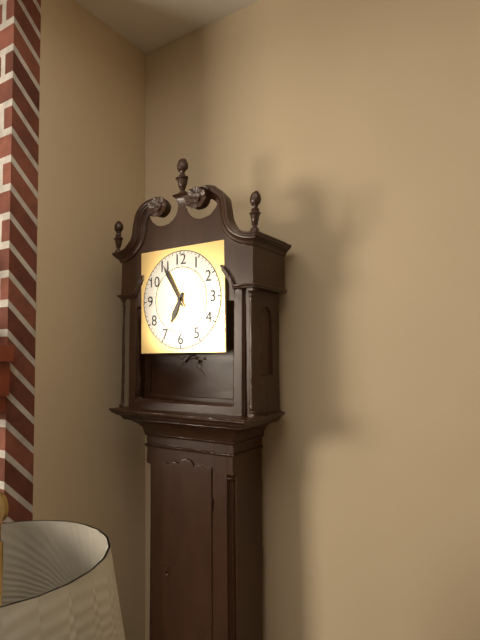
6:55
